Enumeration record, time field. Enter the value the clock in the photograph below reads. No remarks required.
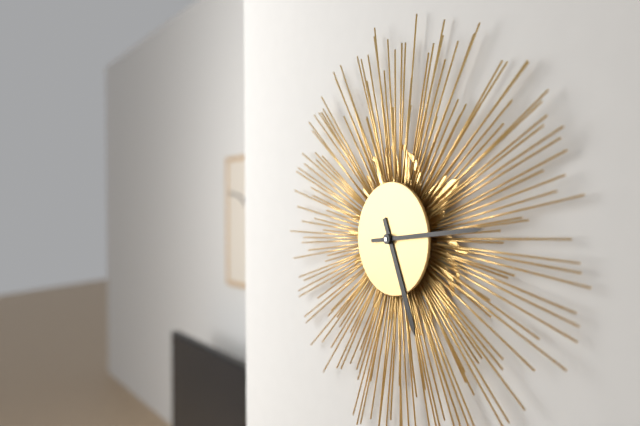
5:14
